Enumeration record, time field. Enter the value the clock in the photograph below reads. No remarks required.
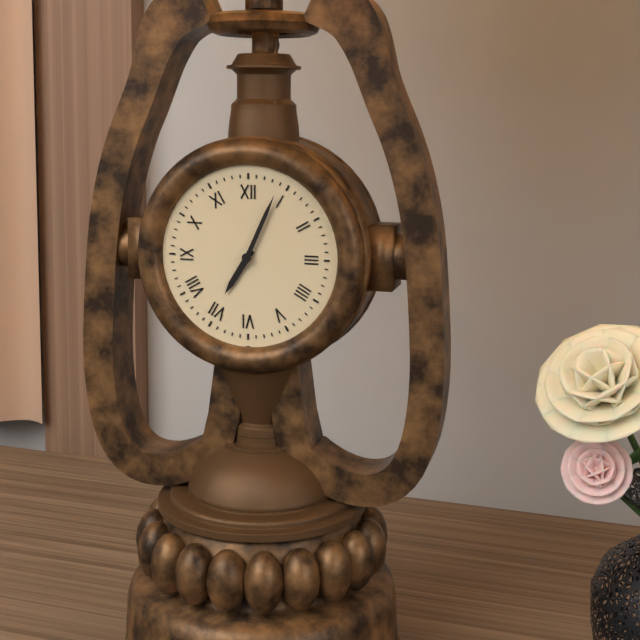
7:04
